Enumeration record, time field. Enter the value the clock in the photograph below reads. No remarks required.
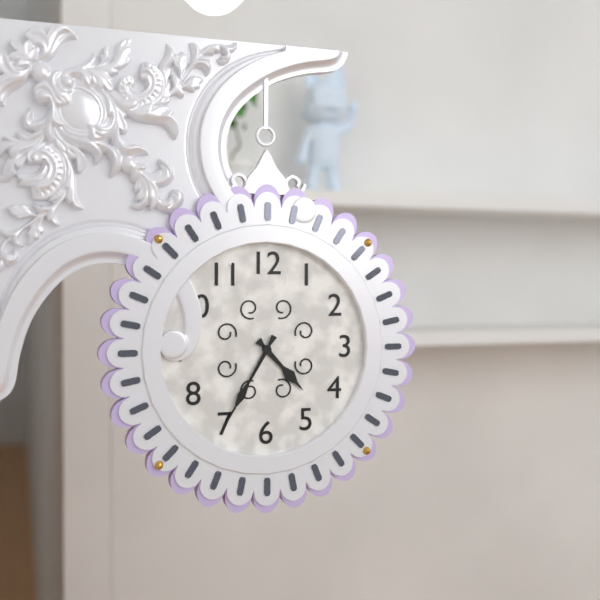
4:35
